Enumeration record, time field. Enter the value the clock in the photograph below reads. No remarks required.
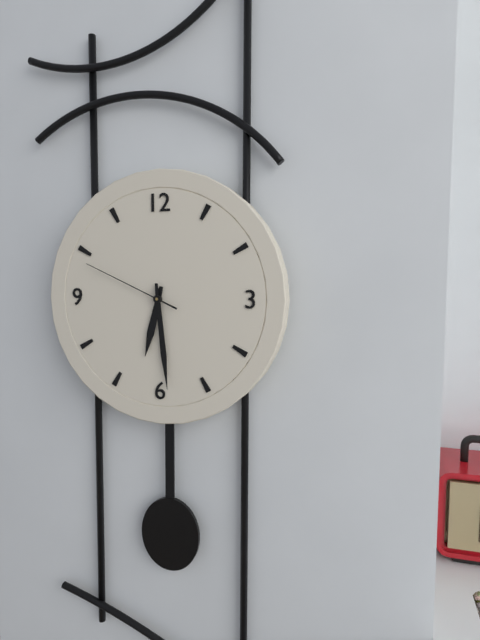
6:29:49
